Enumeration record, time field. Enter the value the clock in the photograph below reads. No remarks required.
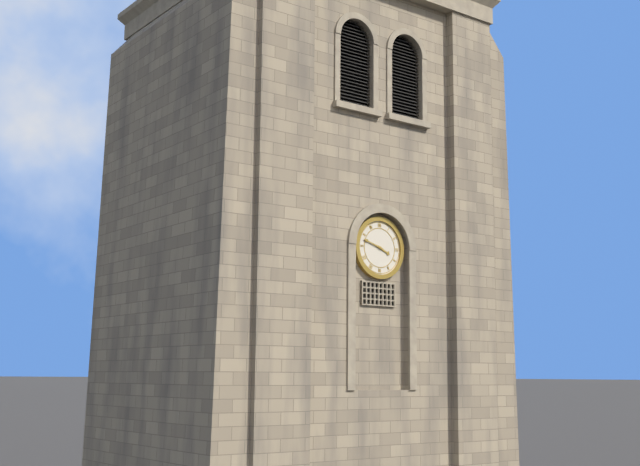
3:48
